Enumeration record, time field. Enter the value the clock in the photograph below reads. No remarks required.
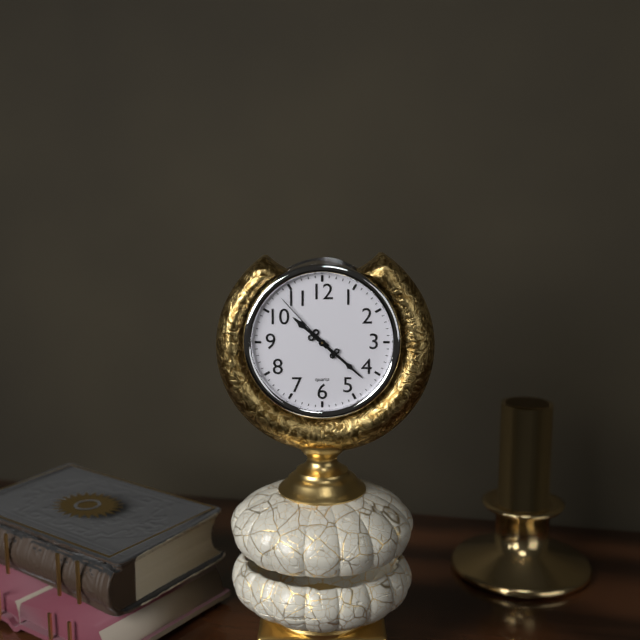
10:22:53
